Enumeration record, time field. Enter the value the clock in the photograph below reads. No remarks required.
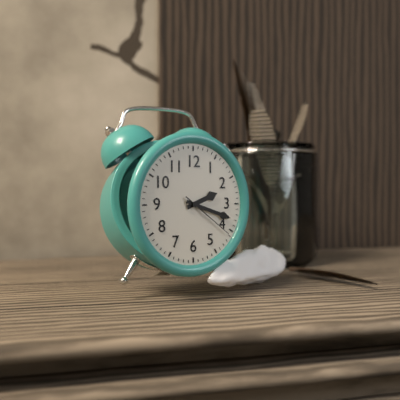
2:18:21
